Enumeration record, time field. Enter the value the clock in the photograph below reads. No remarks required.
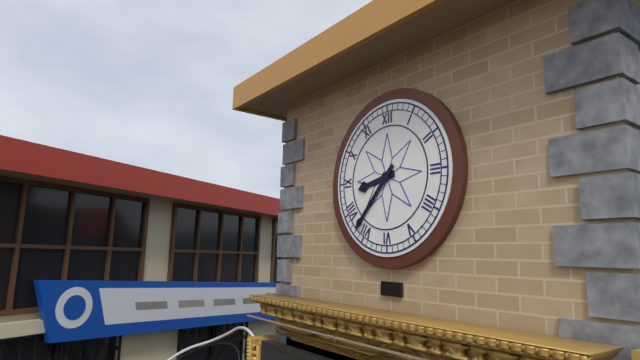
8:37
